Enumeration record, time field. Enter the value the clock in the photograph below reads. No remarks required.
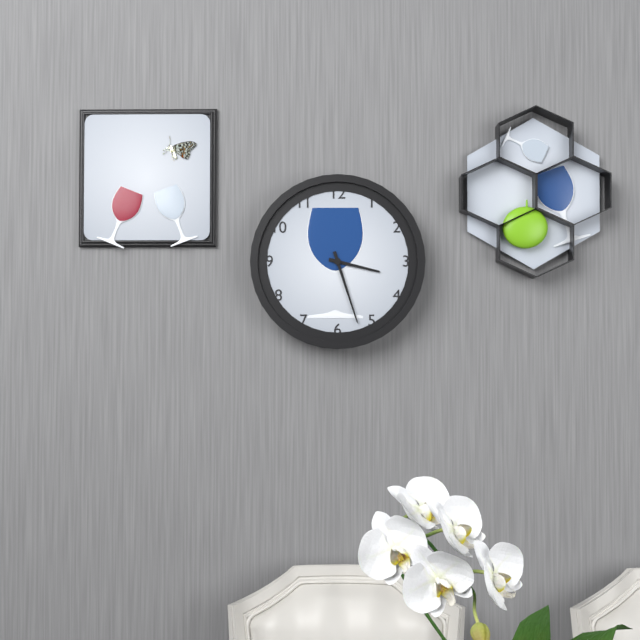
3:27
